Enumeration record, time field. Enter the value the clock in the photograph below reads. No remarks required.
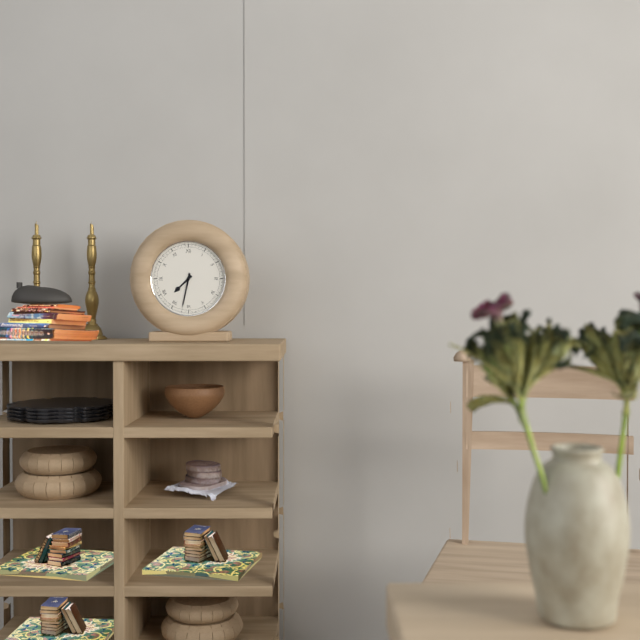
7:32
